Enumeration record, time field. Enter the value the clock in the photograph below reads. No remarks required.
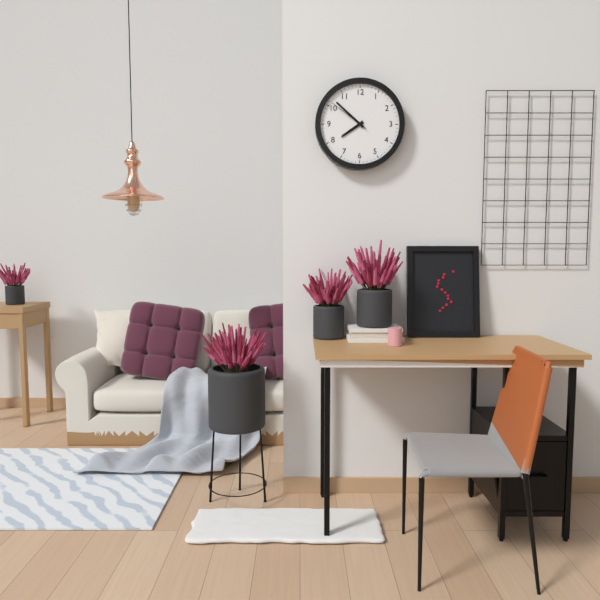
7:52
